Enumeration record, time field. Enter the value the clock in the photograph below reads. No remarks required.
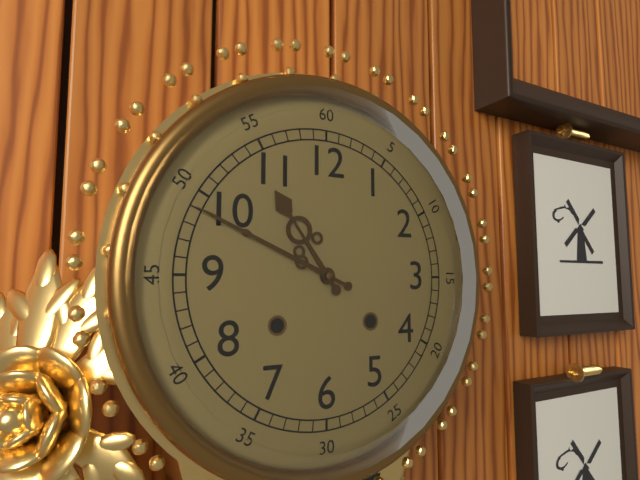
10:49
